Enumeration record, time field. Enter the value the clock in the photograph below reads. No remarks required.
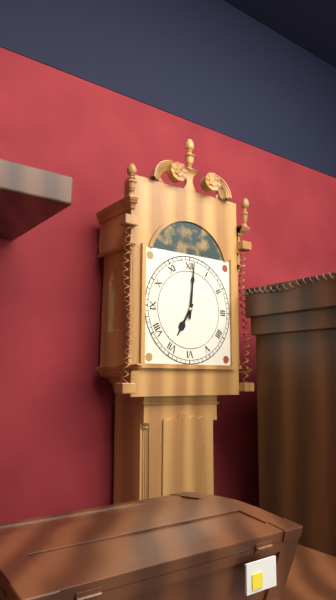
7:01
